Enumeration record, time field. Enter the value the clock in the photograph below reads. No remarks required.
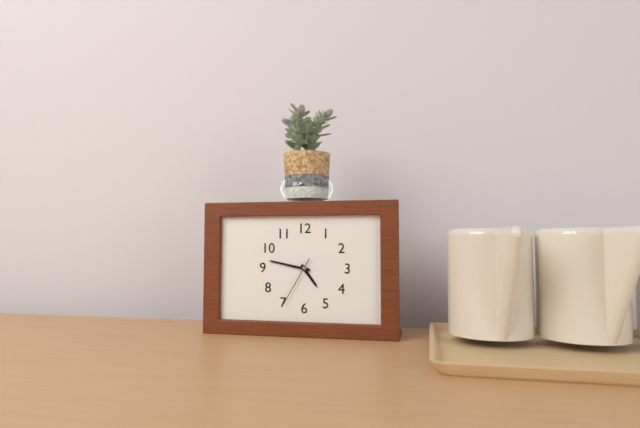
4:47:35
